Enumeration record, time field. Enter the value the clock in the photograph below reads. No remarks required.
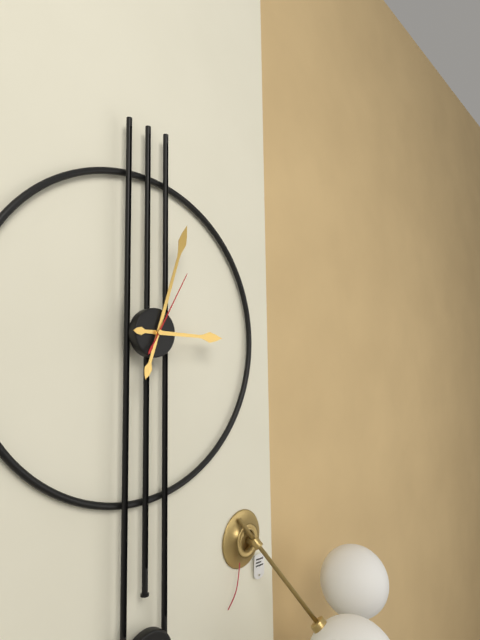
3:03:05
